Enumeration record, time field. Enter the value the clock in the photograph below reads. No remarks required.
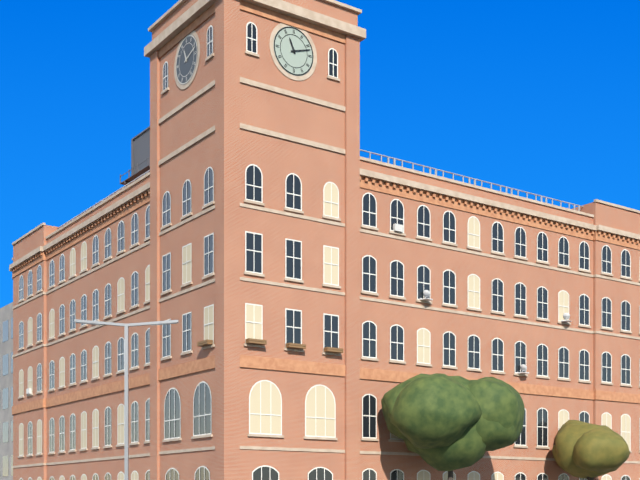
11:12
